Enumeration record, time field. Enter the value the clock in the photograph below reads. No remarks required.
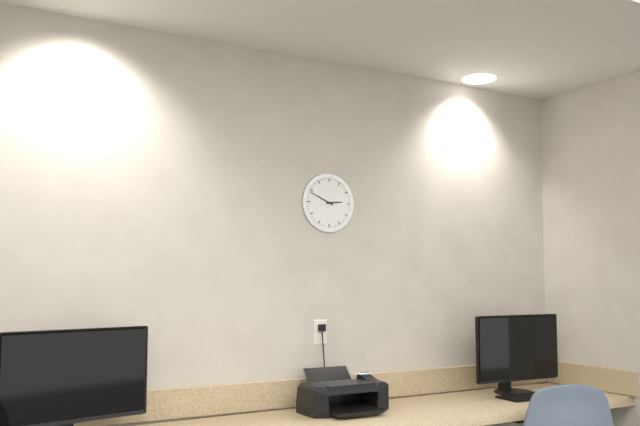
2:49
